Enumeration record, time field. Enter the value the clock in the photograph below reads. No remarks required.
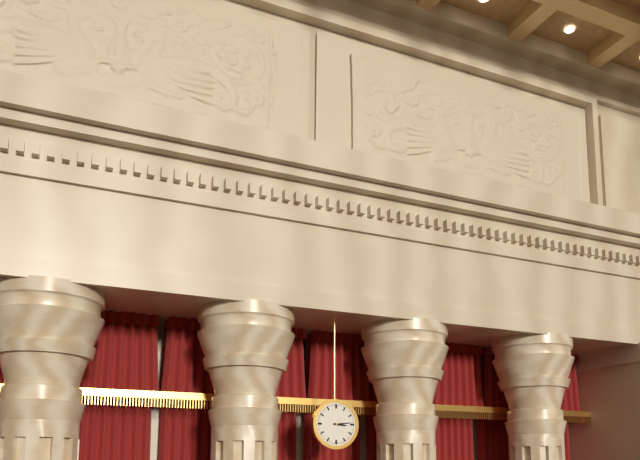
3:14
